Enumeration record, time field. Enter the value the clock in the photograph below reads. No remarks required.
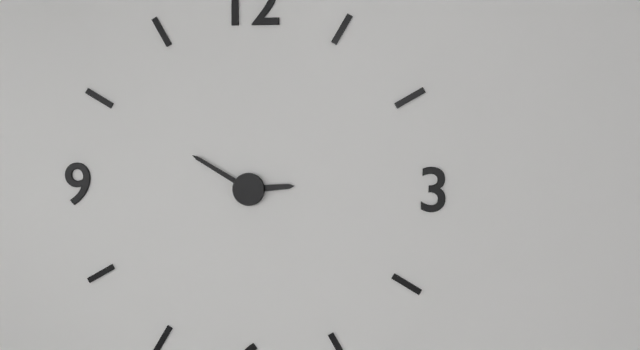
2:50
